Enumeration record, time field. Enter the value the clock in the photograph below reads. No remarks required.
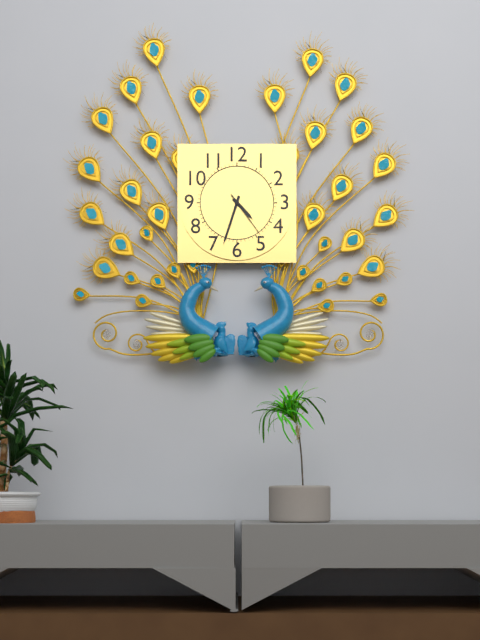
4:33
